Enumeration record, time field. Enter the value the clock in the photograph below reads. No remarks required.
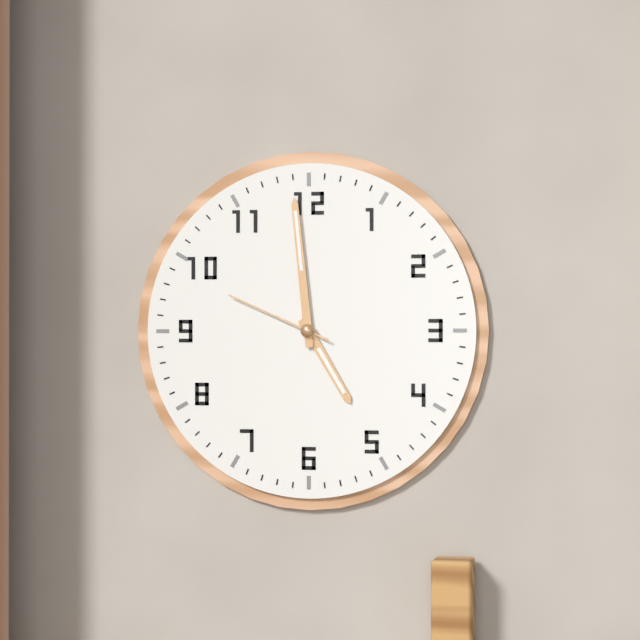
4:59:49
